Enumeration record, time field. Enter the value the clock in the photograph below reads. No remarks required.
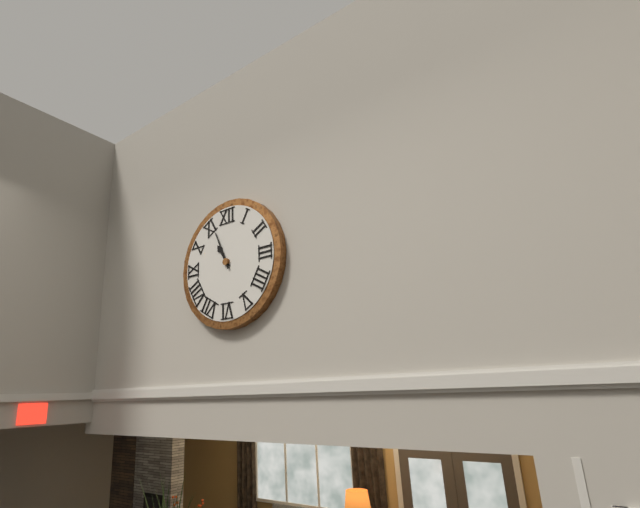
10:56
